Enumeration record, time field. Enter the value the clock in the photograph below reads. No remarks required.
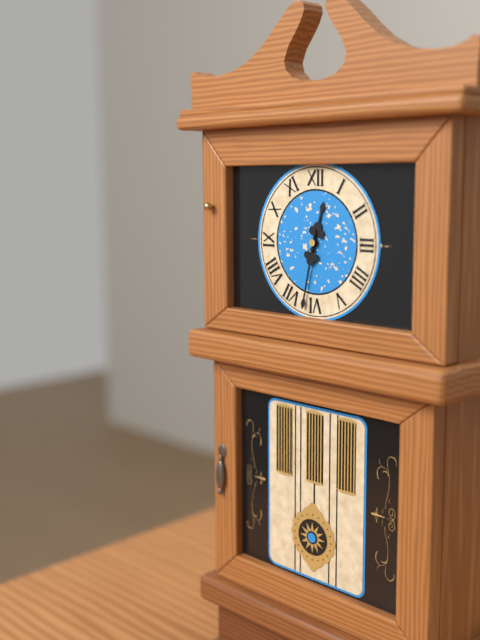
12:32
